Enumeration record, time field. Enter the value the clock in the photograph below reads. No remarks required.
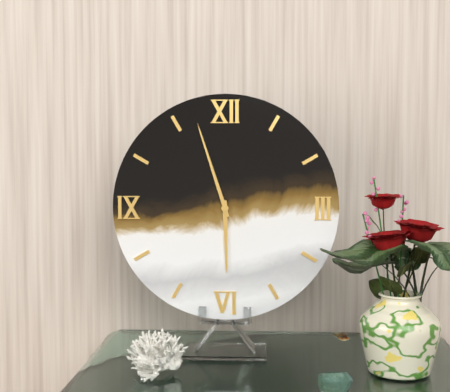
5:57
